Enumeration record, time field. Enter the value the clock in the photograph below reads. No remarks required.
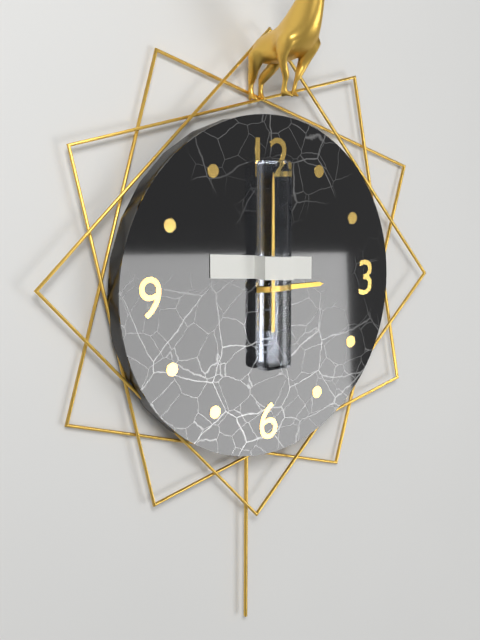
3:00
